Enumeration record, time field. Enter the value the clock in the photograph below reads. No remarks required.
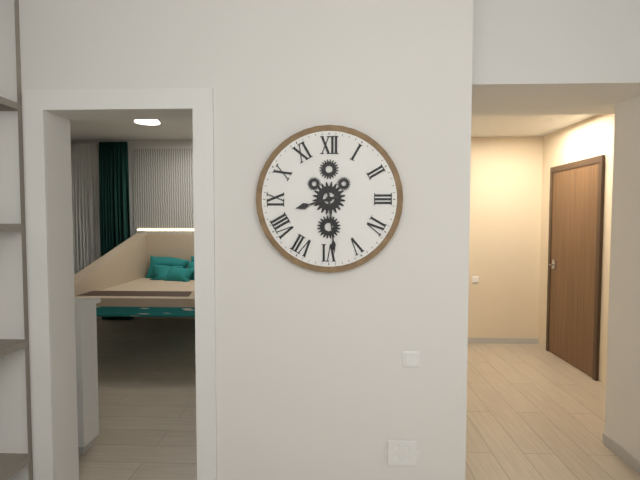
8:29
